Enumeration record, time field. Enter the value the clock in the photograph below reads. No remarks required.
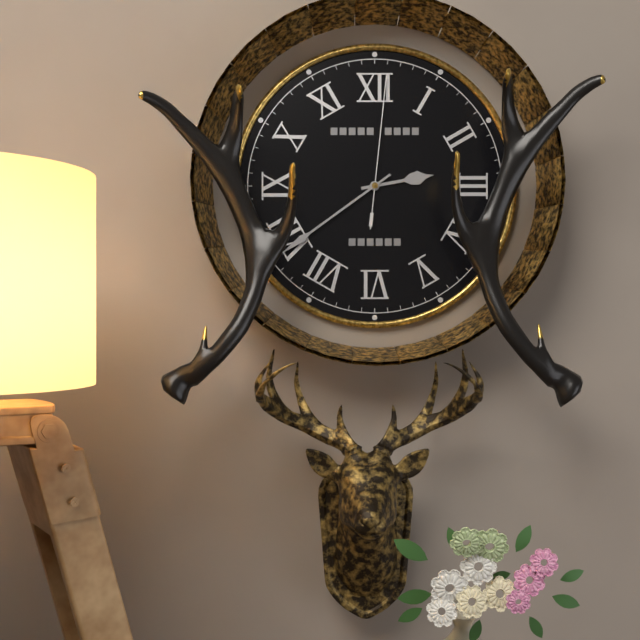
2:39:01
